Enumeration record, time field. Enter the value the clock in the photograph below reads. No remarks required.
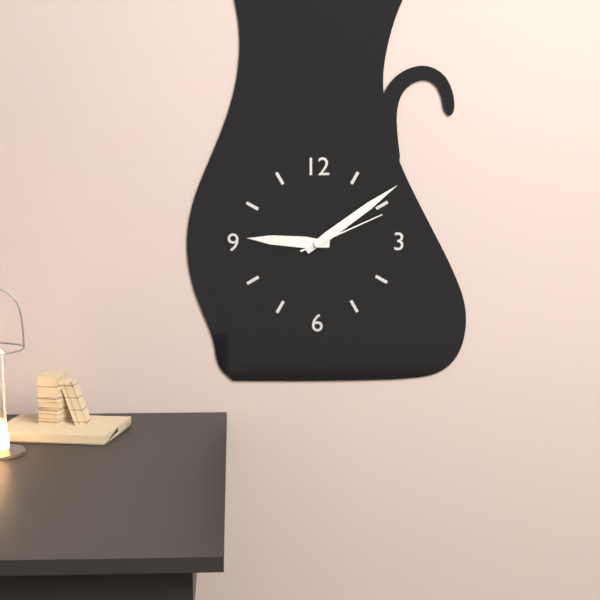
9:09:11
